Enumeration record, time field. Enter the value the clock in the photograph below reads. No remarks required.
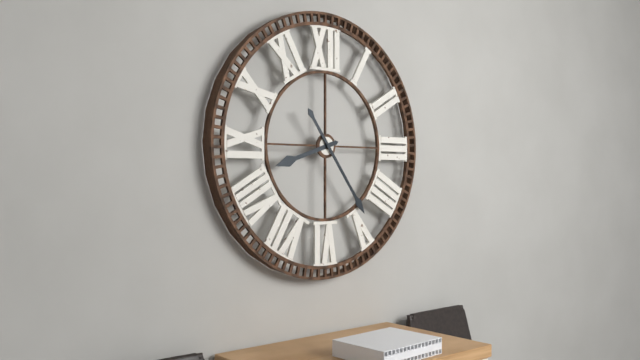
8:24
